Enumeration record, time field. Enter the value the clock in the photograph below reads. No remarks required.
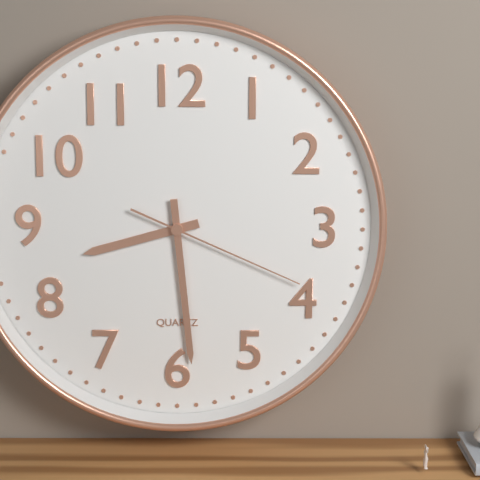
8:29:19
